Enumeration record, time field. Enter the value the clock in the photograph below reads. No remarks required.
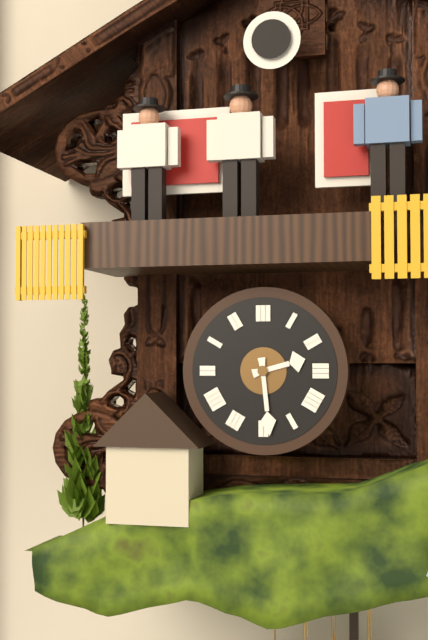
2:29
